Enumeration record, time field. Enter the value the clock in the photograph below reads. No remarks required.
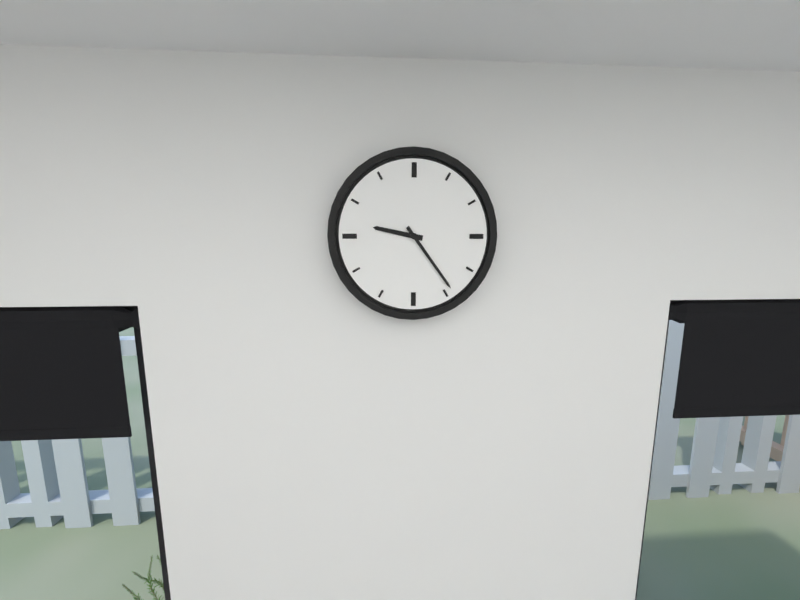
9:24
